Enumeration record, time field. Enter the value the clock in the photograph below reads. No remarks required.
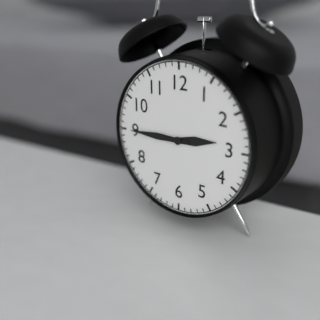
2:45
